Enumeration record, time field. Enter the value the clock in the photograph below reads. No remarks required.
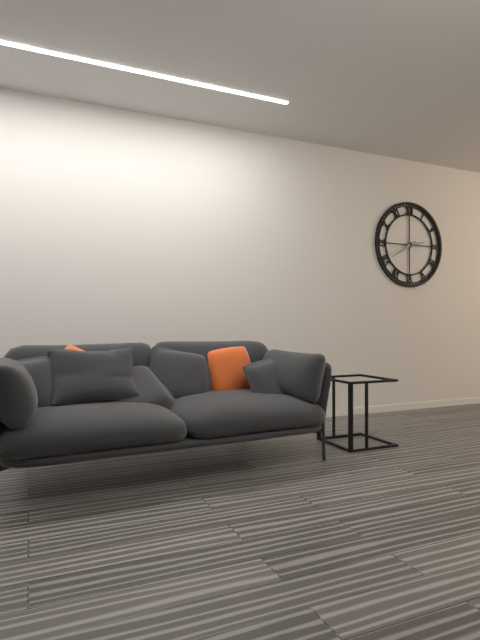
2:40
